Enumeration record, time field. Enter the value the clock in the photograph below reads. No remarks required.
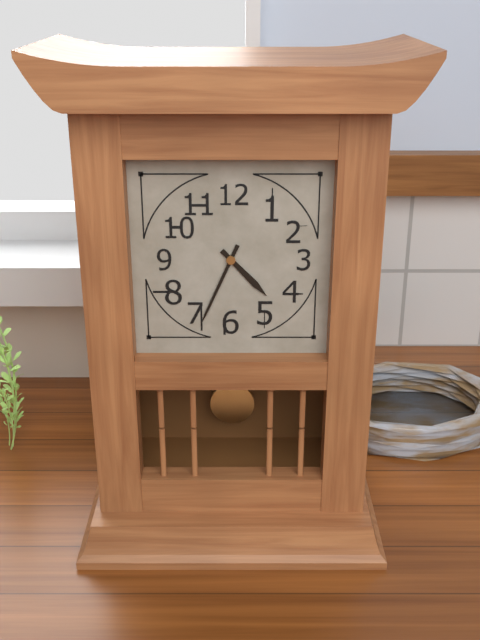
4:34
